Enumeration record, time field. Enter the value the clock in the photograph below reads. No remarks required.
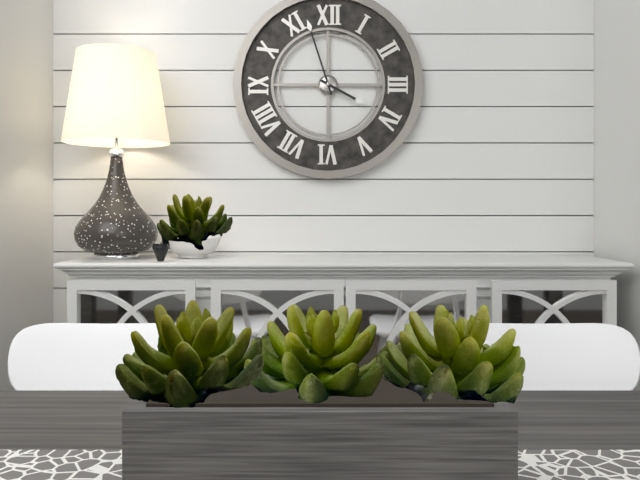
3:57
